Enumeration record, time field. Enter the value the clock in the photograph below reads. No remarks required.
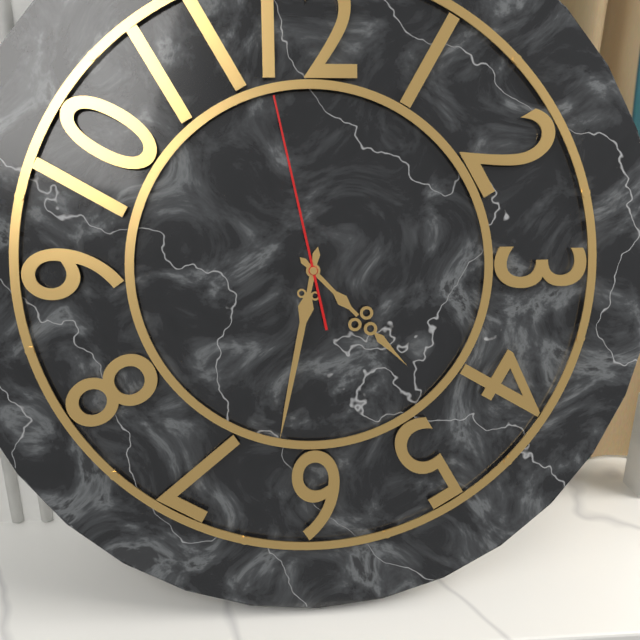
4:32:58
